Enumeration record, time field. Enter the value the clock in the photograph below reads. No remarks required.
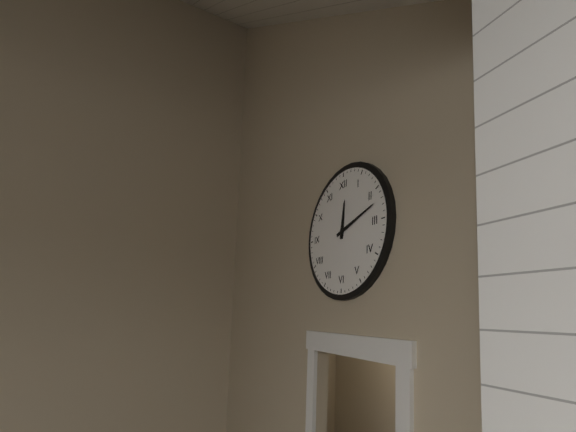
12:12
